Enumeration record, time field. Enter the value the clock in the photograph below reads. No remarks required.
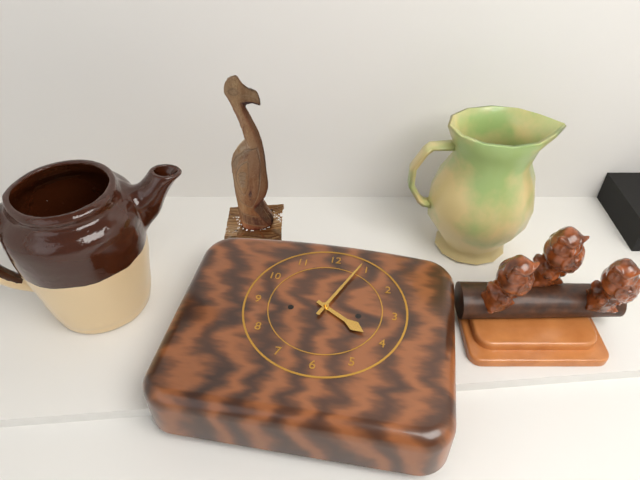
4:04
